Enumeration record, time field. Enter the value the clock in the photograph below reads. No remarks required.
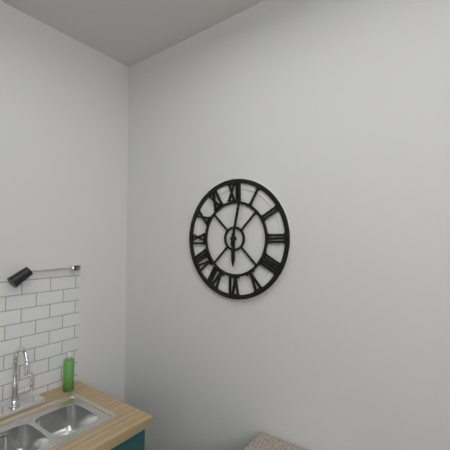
6:02
